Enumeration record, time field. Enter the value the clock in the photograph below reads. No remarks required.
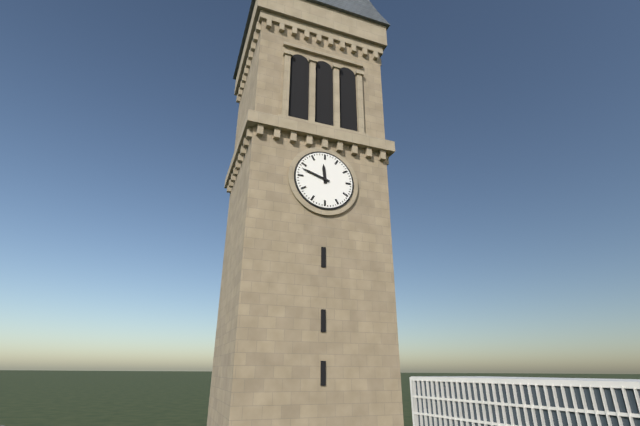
11:48
